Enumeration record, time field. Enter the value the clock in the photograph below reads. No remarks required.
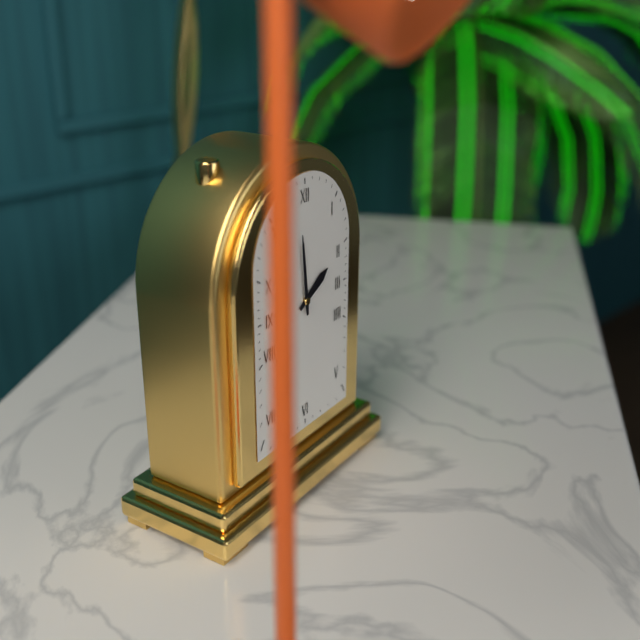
1:59
